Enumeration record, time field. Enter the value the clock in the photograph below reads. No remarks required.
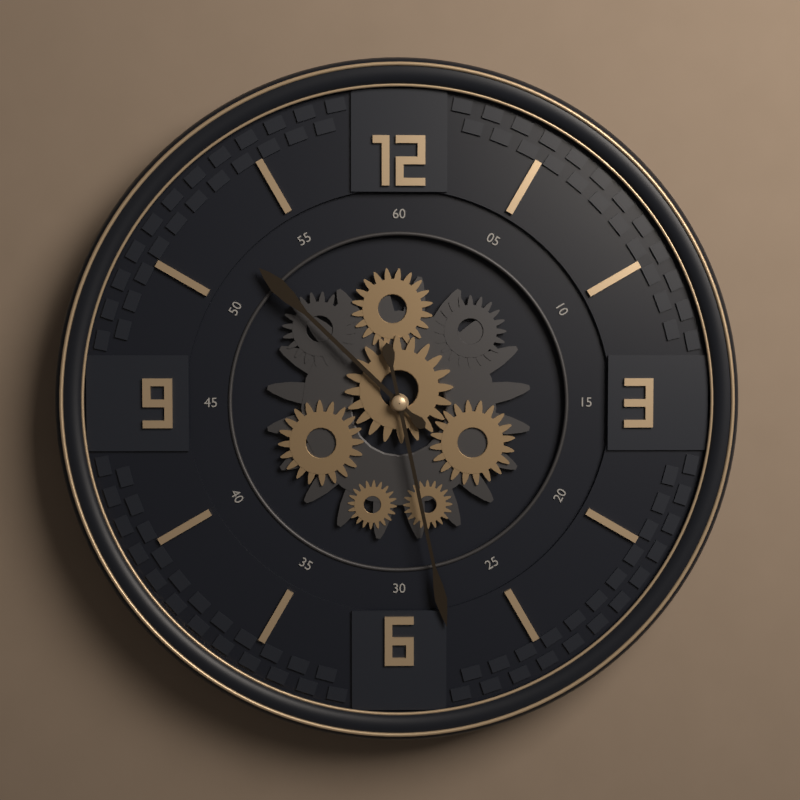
10:28
